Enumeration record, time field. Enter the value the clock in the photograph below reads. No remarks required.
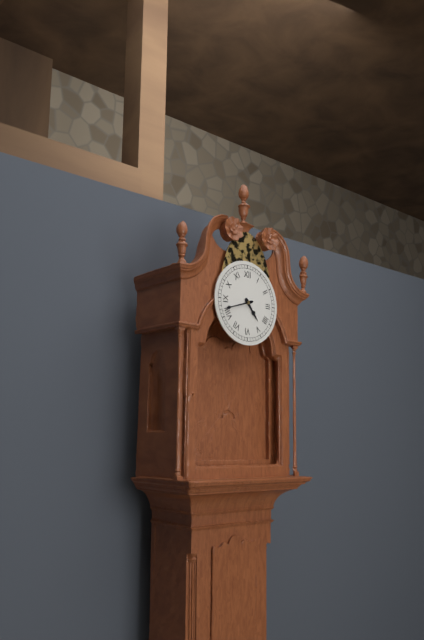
4:42
